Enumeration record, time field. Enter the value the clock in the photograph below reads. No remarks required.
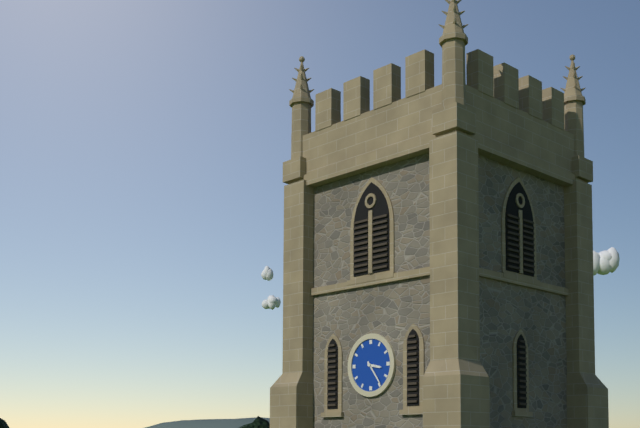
3:24
